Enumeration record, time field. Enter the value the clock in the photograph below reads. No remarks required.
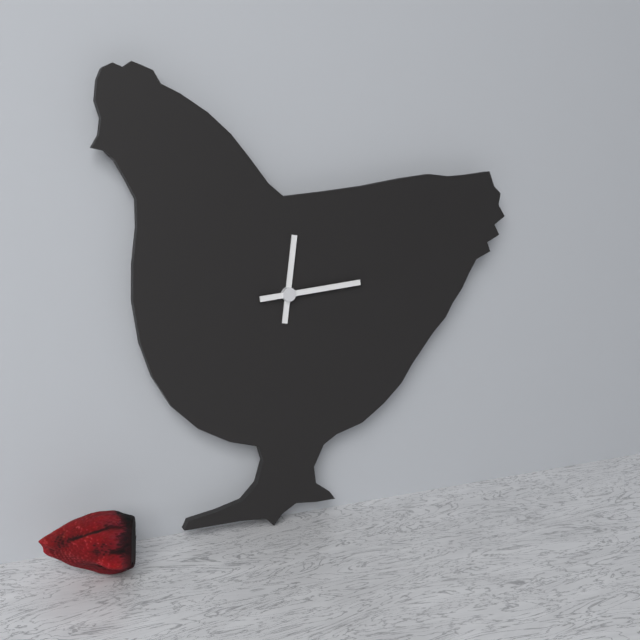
12:14
